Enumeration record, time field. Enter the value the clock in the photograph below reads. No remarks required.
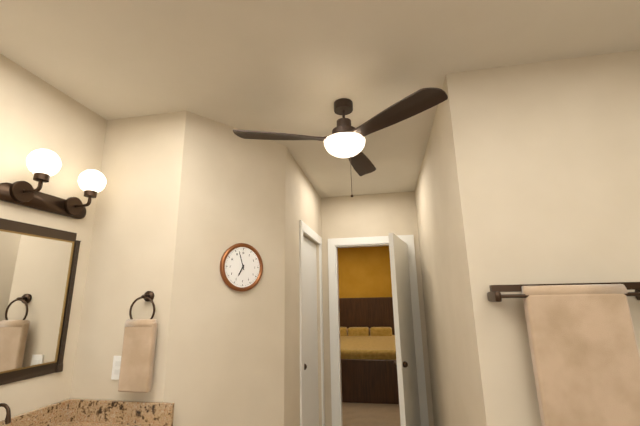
6:57
